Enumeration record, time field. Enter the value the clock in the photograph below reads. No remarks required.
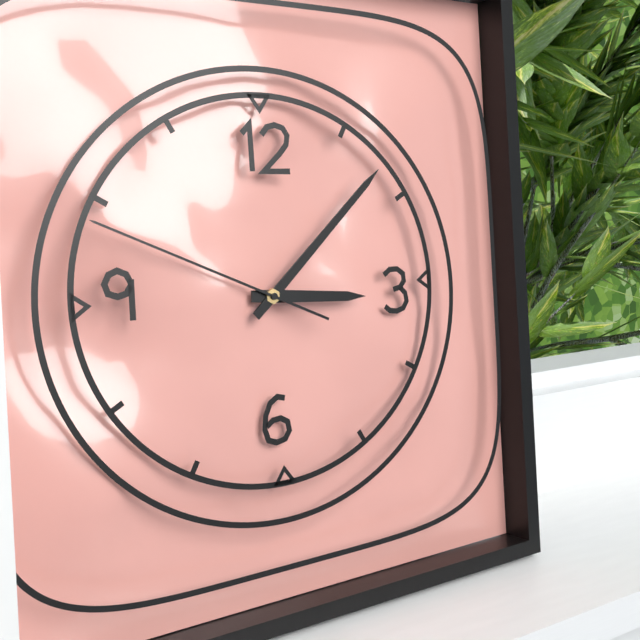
3:08:49
